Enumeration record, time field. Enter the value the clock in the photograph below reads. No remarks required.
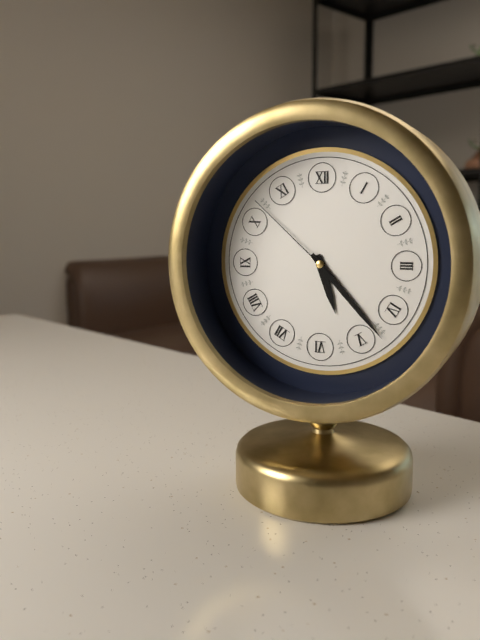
5:23:52
